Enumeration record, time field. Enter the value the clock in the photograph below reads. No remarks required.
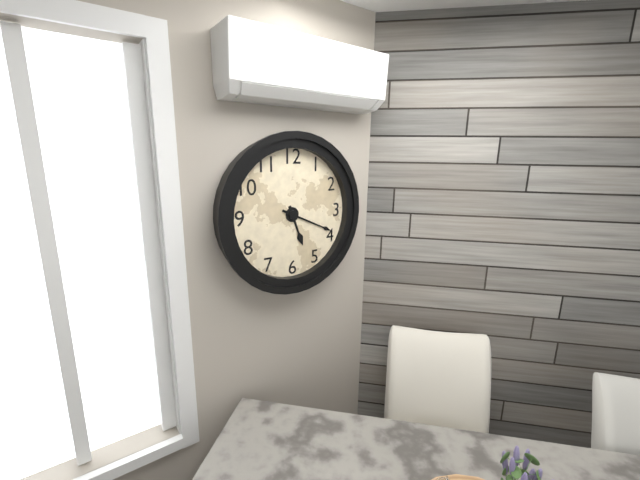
5:19
